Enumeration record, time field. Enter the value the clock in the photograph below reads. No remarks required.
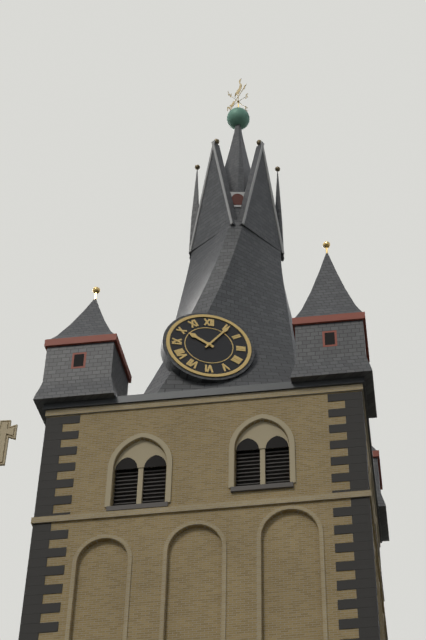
10:06
